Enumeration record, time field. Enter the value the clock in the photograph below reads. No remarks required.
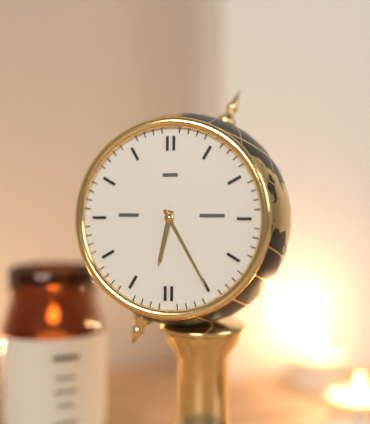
6:25
